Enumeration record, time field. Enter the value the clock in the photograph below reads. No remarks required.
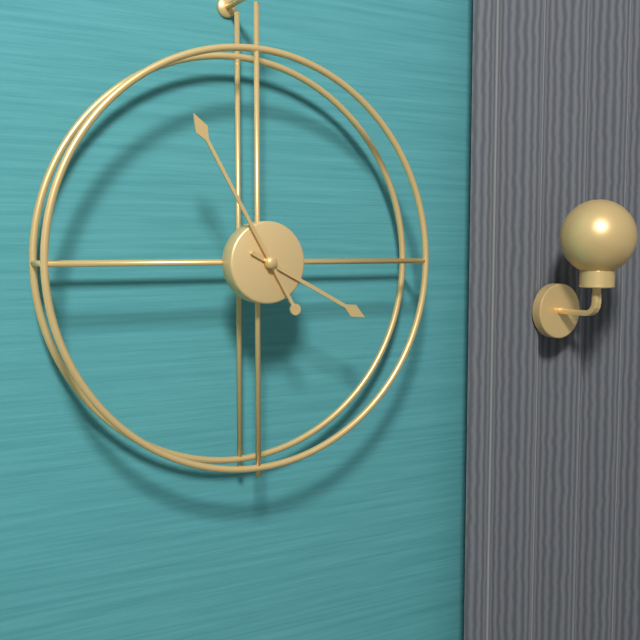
3:55
